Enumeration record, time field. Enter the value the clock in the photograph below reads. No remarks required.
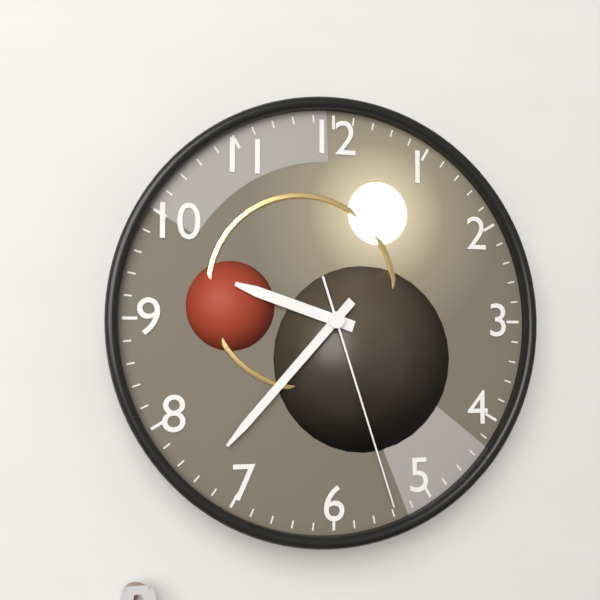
9:37:27
